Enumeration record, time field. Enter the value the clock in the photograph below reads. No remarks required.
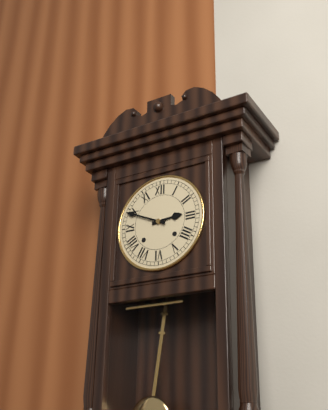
2:49
